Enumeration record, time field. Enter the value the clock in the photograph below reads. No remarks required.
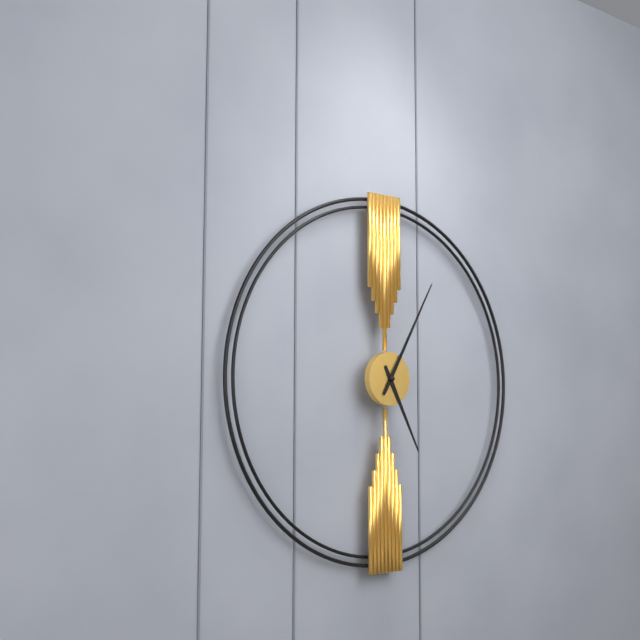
5:05
